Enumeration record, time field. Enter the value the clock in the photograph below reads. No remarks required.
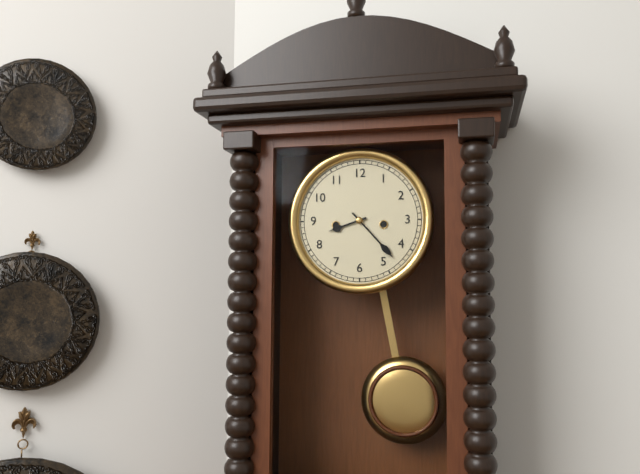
8:23
